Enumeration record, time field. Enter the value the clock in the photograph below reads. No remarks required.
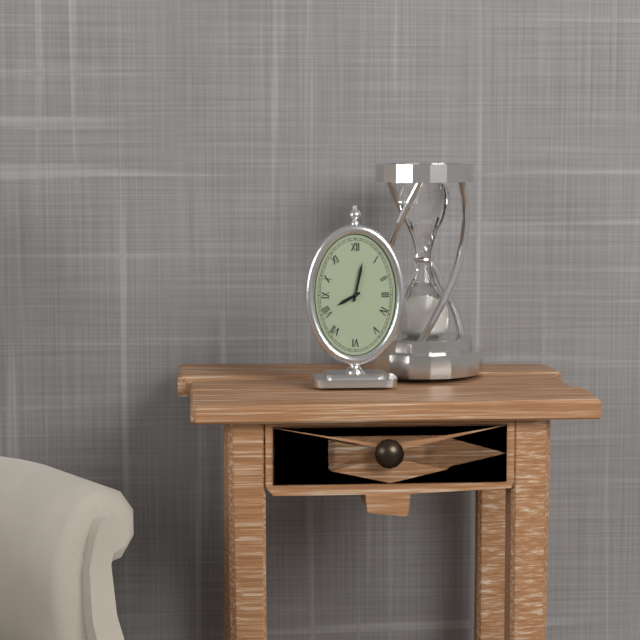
8:02
